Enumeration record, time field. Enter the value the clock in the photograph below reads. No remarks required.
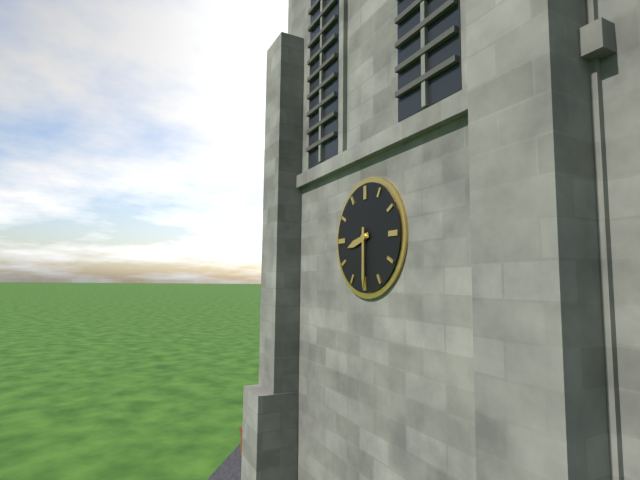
8:30
